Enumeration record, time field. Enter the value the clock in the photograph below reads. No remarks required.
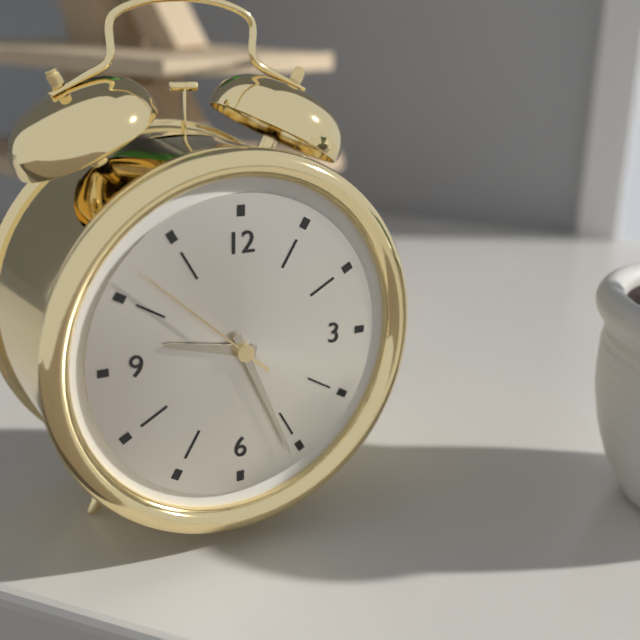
9:26:52
